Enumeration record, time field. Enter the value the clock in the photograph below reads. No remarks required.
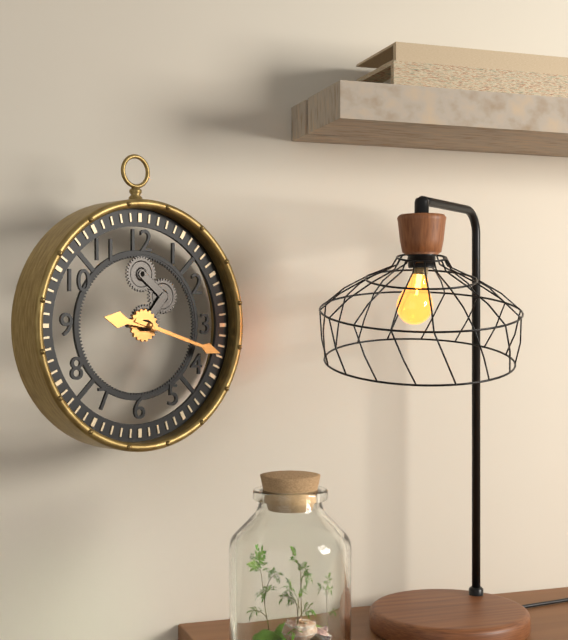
9:18
